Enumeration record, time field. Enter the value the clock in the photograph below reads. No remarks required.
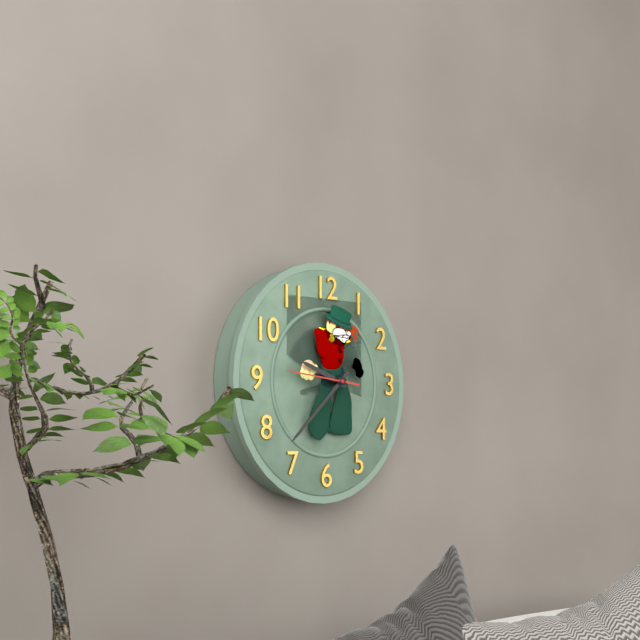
9:38
